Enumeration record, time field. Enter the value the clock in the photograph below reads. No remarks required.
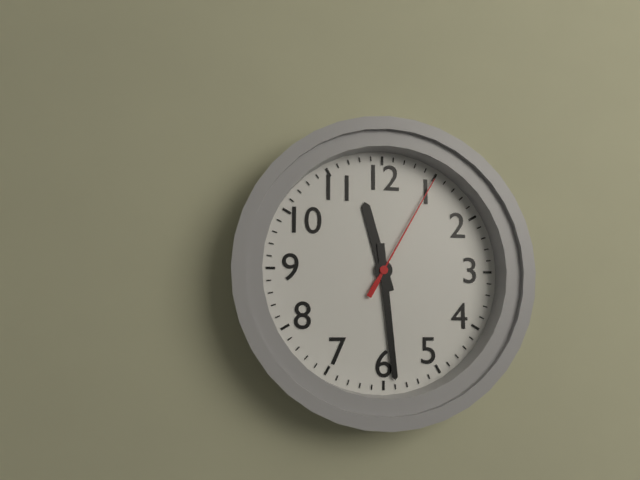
11:29:05
